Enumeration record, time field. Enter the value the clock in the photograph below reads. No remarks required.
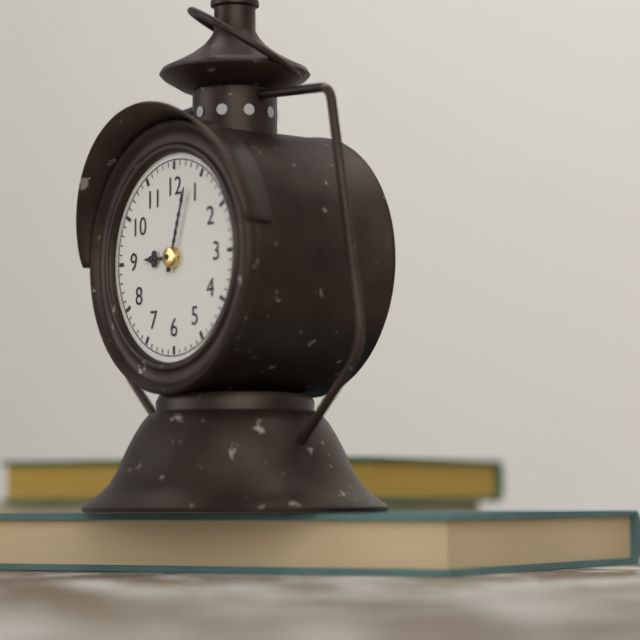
9:03
